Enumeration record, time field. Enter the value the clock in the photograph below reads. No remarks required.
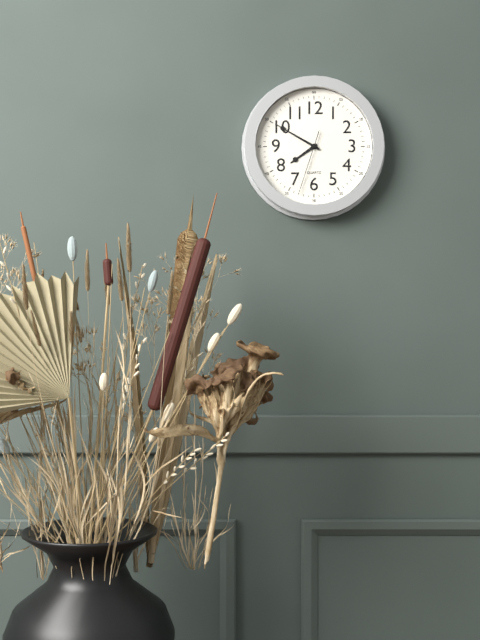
7:50:33
